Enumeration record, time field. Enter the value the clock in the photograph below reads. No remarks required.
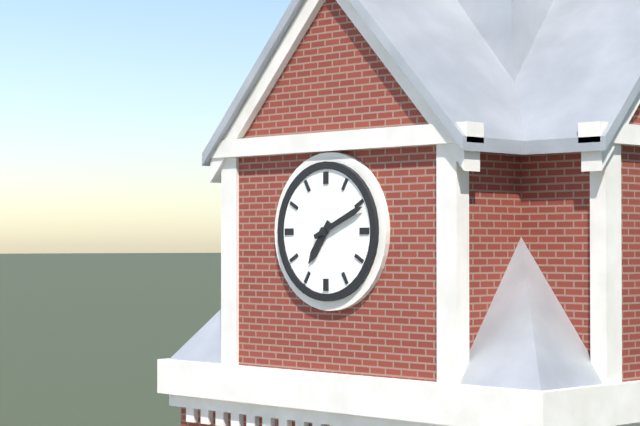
7:11
